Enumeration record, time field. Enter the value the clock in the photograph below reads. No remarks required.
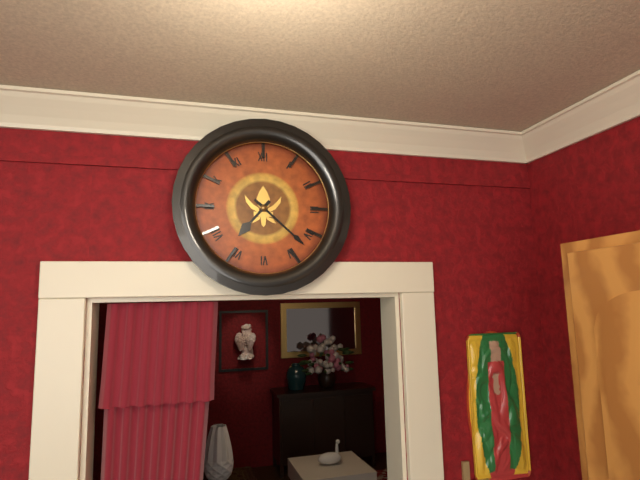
7:22
